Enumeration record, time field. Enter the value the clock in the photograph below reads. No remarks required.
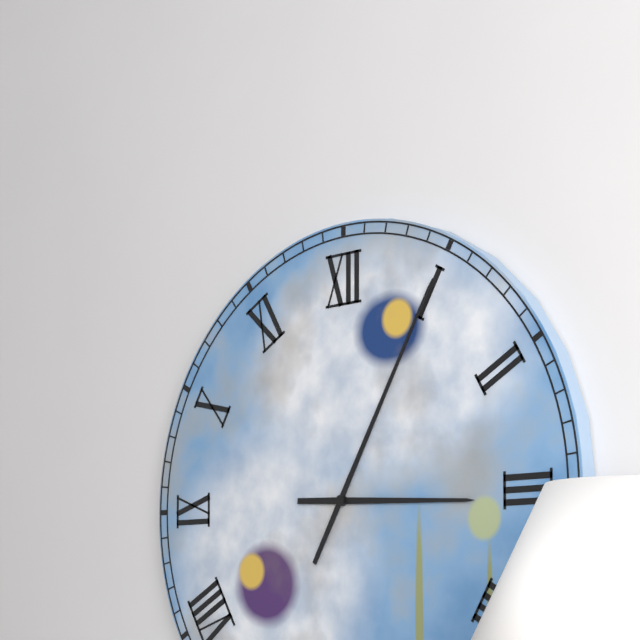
3:05
